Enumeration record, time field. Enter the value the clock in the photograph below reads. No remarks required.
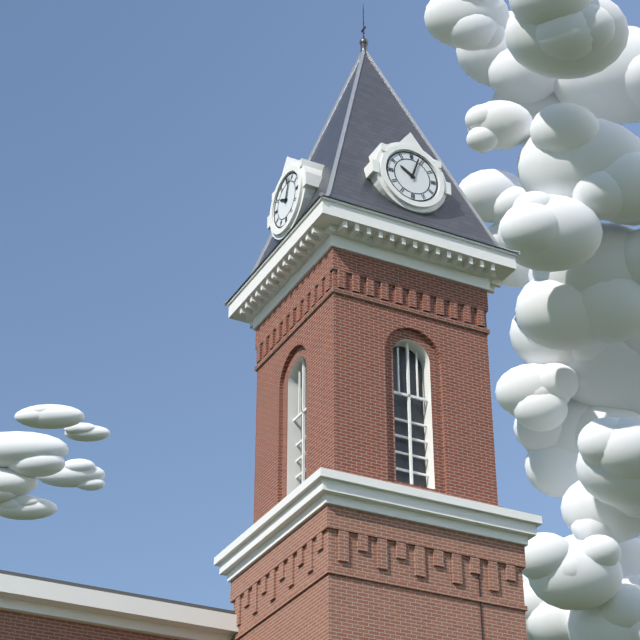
10:03
